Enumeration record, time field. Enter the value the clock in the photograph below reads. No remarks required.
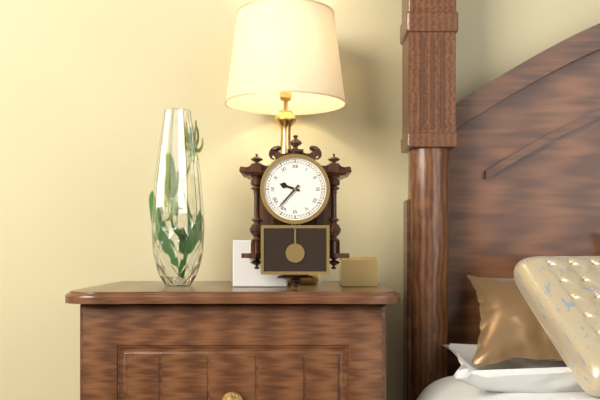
9:37
